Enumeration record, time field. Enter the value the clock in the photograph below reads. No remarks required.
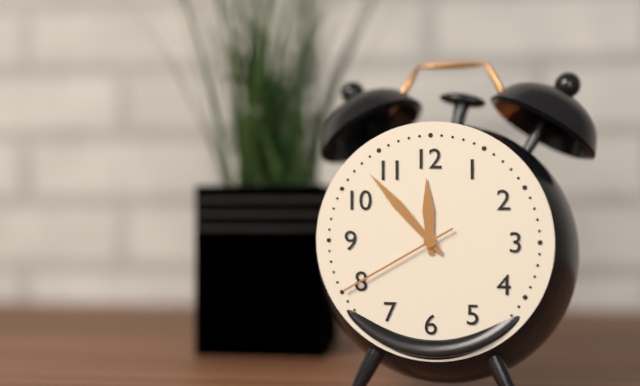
11:53:40
